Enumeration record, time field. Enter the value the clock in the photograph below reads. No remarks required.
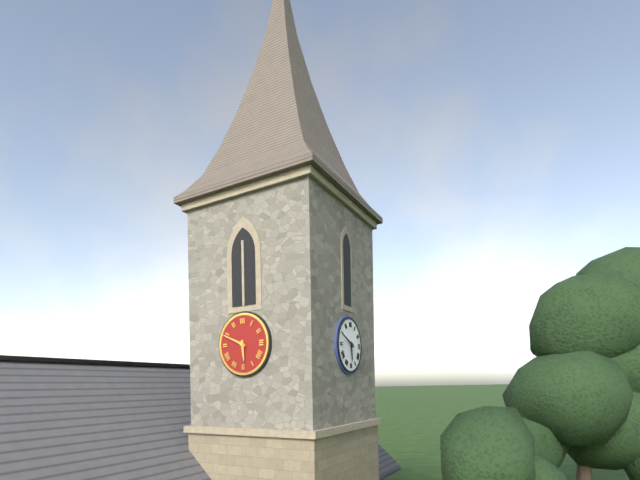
5:49
